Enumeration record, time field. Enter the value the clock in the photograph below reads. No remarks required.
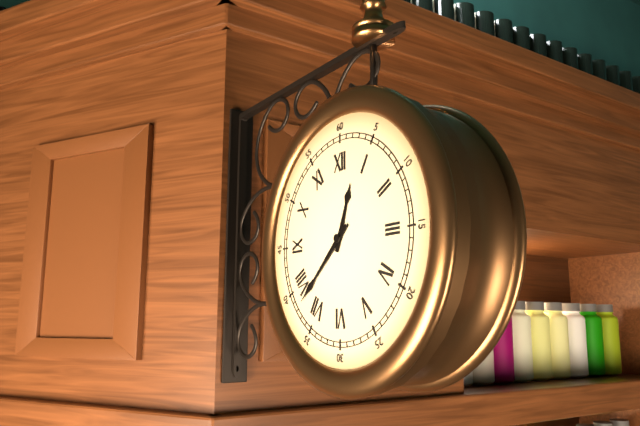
12:38
